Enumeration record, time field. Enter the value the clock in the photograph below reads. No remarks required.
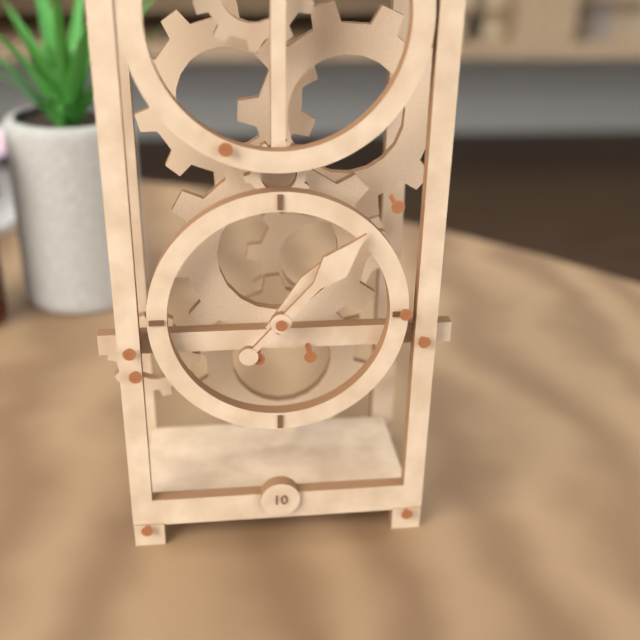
1:07
